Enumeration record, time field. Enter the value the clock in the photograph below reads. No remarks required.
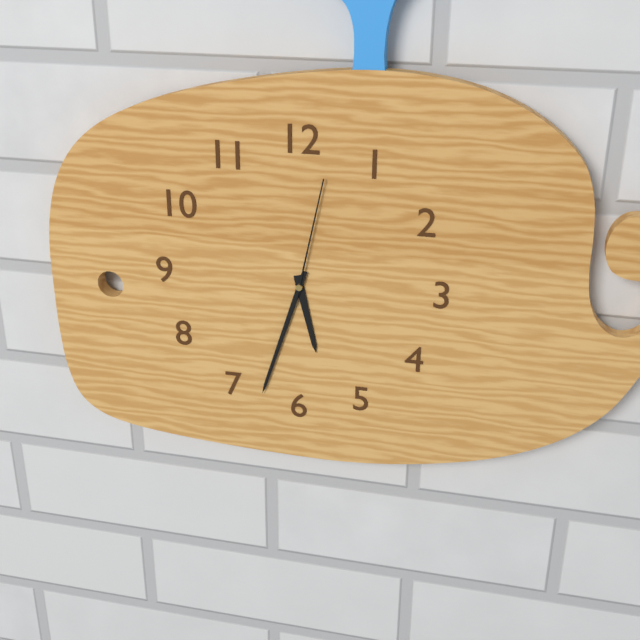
5:33:02
